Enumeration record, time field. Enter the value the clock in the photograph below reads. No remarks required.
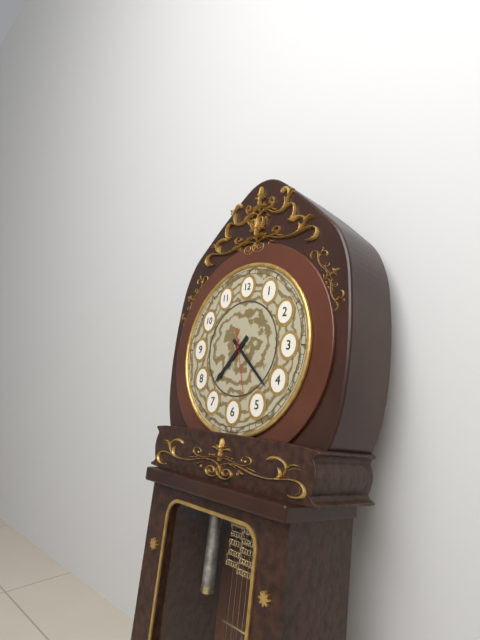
7:22:27
